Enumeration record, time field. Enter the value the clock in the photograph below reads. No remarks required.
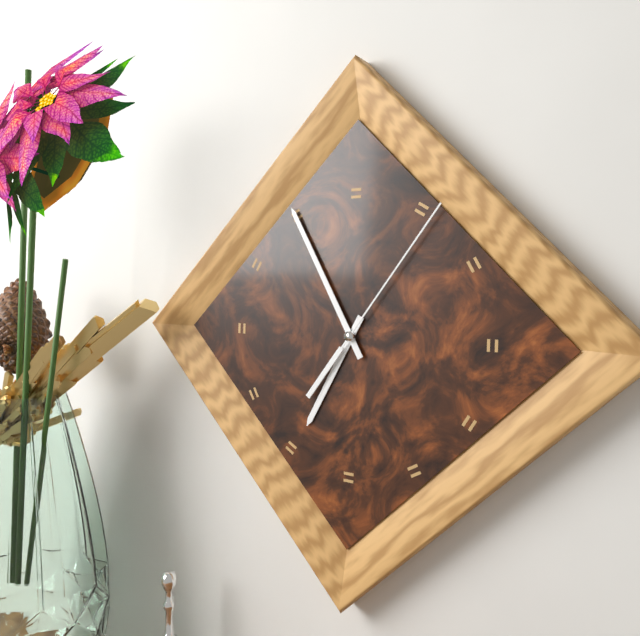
6:55:06
